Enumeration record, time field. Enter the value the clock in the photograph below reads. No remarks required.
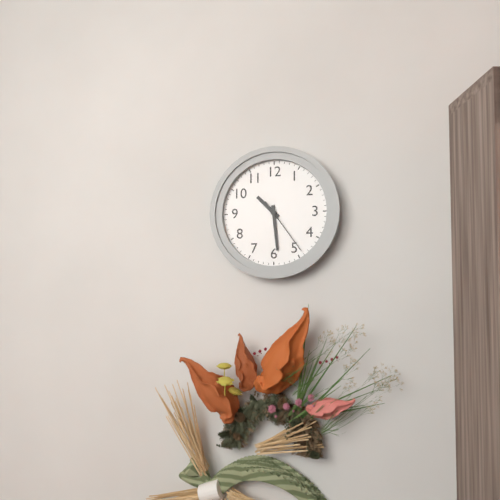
10:29:24
